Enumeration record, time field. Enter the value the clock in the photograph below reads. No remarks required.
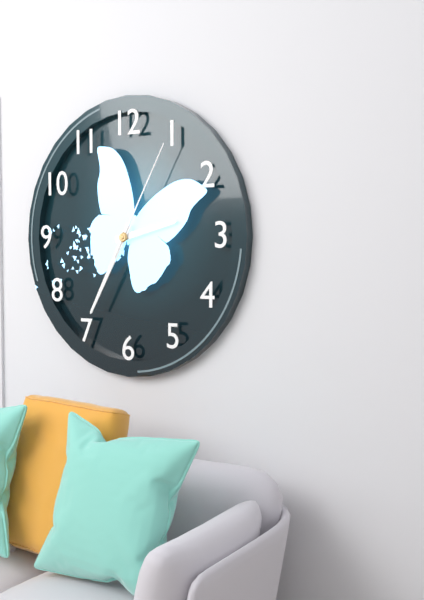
2:35:05
